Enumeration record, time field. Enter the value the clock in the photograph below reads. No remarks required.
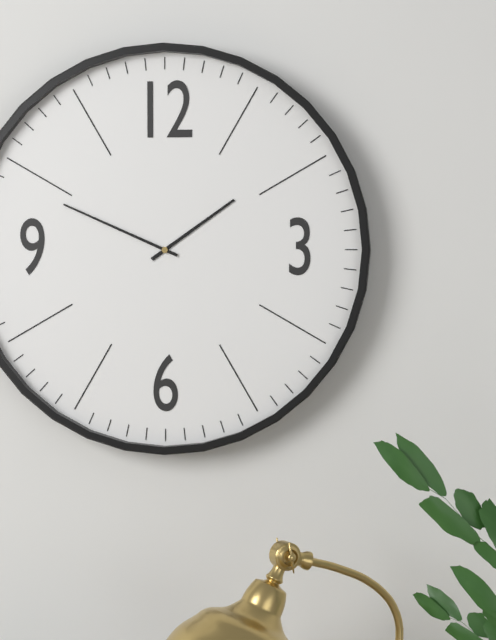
1:49
